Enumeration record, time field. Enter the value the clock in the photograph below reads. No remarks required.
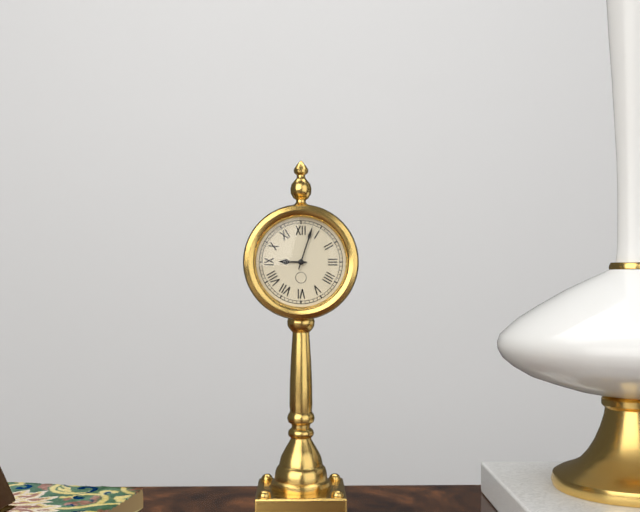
9:03
